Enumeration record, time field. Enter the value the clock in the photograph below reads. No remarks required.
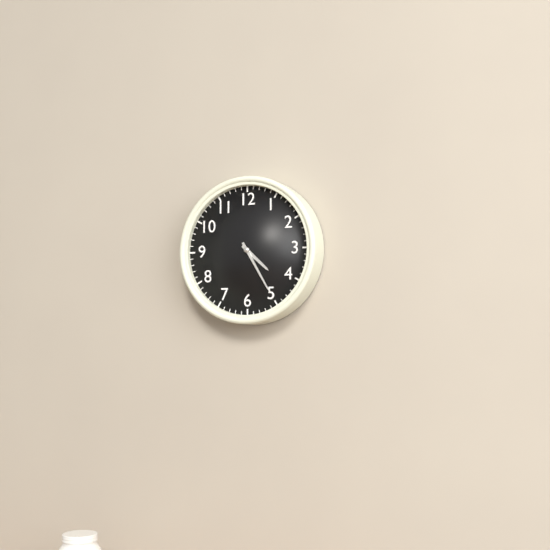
4:25
